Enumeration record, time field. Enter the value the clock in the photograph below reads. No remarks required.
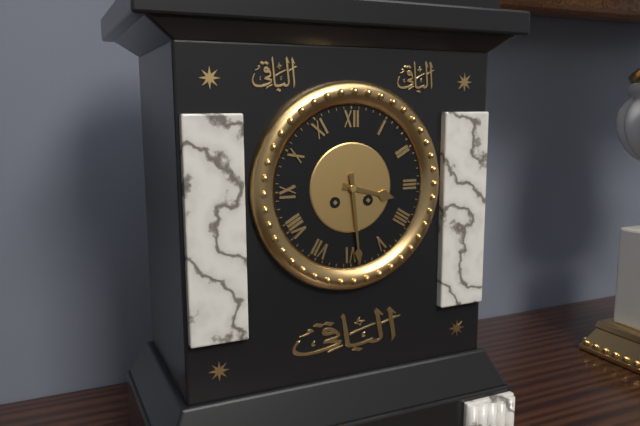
3:29
